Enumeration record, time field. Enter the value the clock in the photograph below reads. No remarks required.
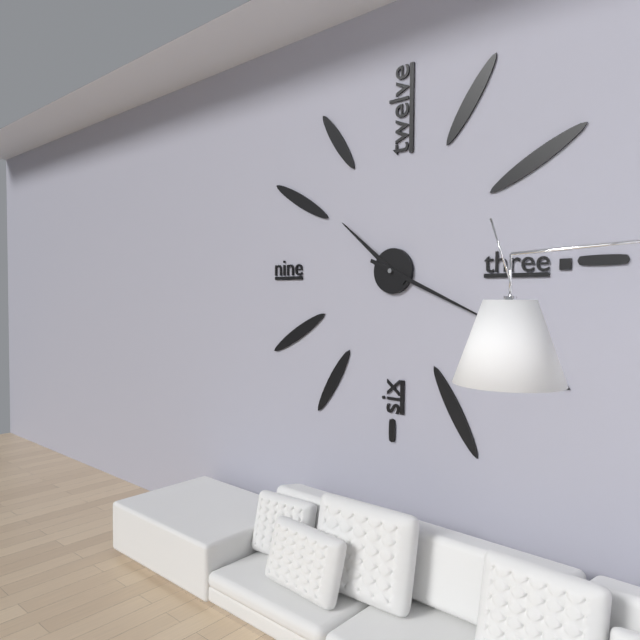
10:19
